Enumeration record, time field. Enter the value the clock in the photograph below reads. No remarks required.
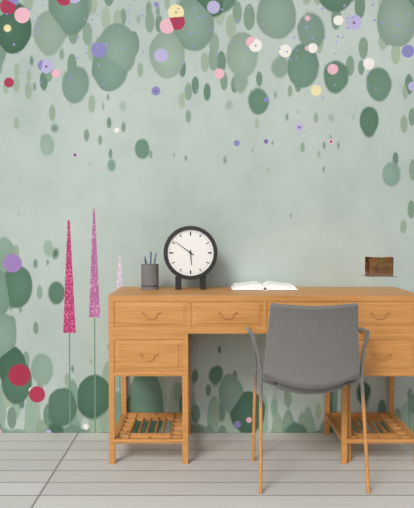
5:51
